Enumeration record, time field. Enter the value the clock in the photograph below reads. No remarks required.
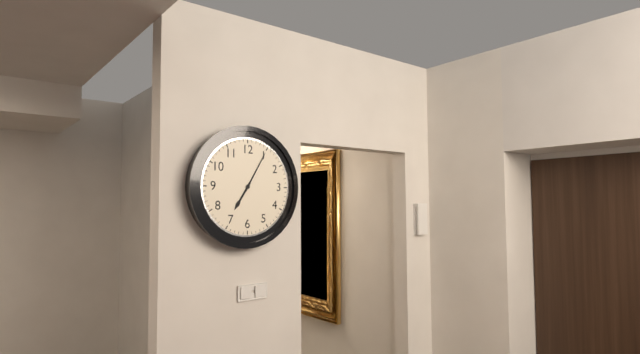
7:05
